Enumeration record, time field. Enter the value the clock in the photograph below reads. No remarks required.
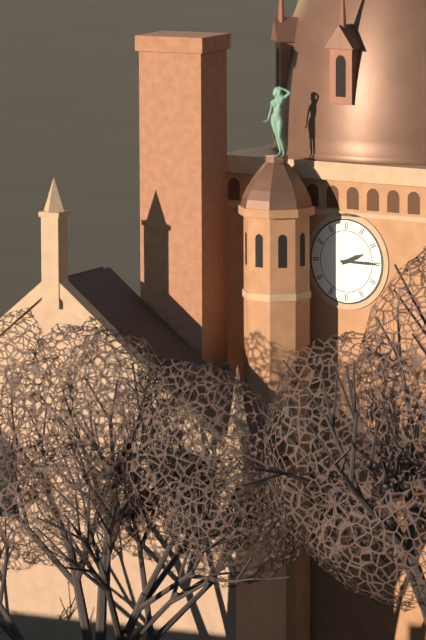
2:15
